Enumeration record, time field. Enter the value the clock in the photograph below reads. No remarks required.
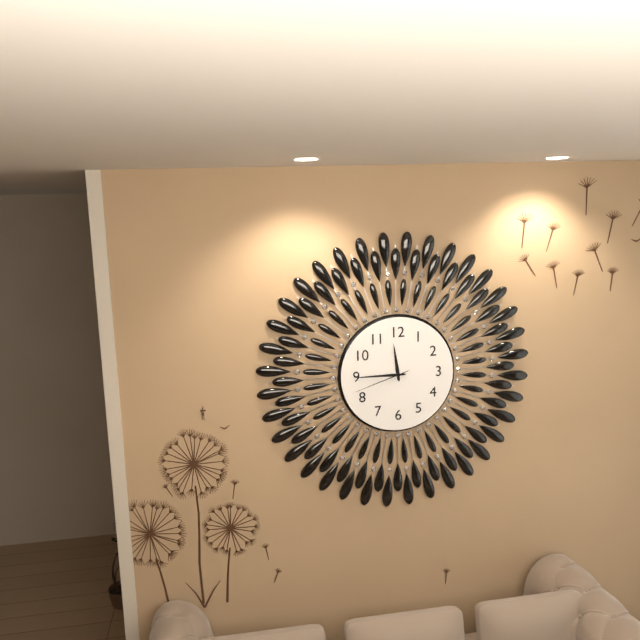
11:45:42
